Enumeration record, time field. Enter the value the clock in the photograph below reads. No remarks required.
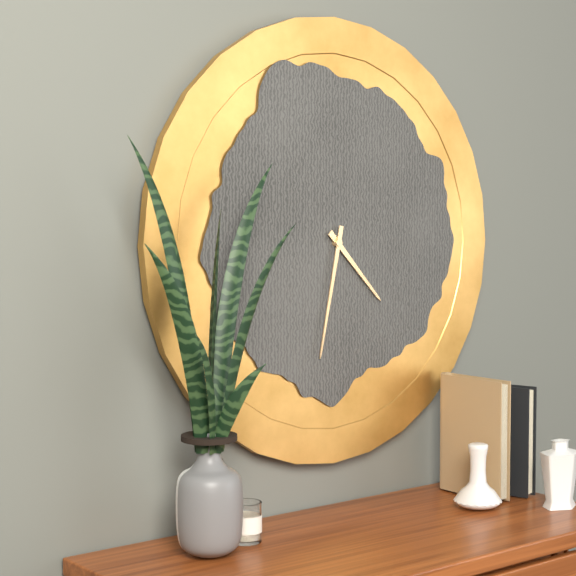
4:32
